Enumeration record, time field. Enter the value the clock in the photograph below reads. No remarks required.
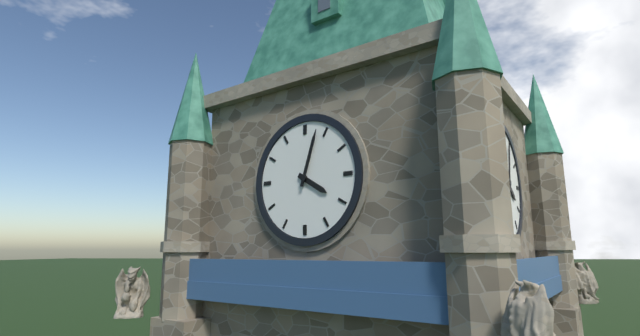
4:03
